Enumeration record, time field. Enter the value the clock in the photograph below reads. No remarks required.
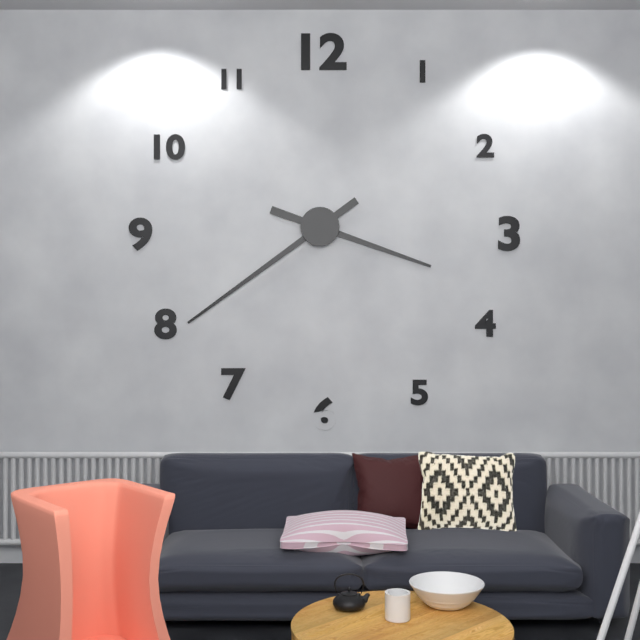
3:39
